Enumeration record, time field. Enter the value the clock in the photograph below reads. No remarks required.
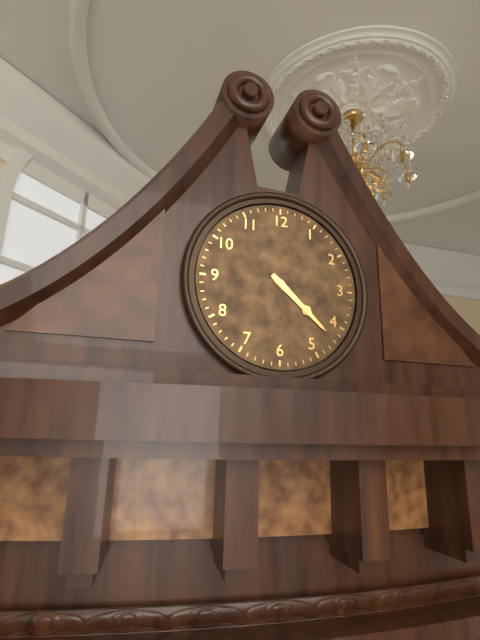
4:22
